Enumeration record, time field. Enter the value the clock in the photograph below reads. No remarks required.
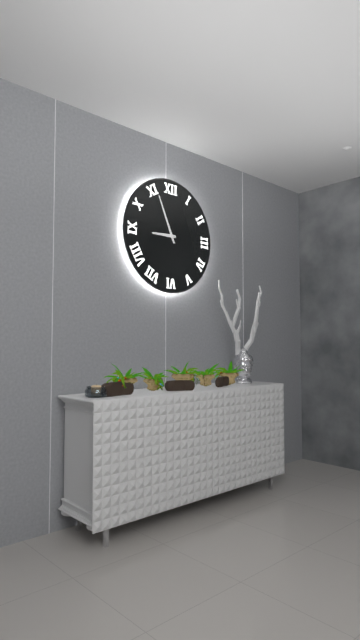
8:56
